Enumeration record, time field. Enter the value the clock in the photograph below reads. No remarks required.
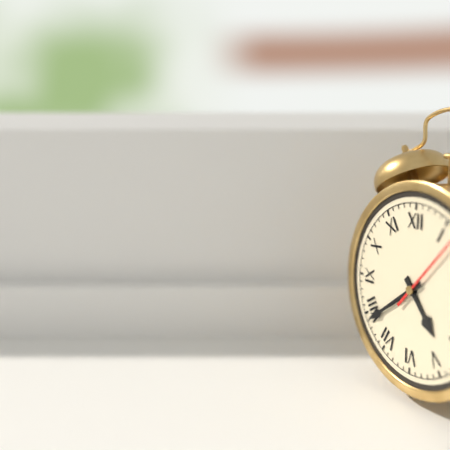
4:39
